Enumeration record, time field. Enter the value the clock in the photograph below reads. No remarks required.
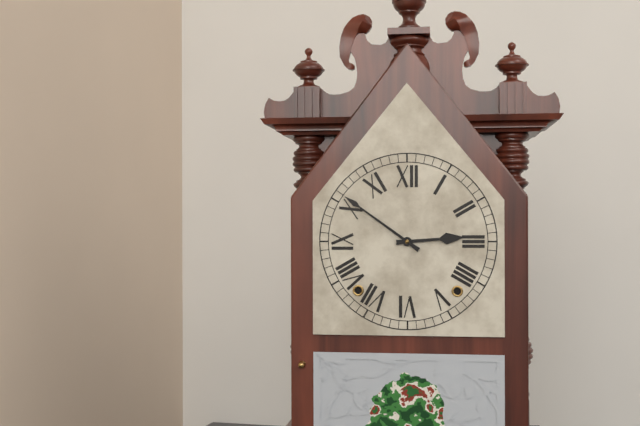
2:51
